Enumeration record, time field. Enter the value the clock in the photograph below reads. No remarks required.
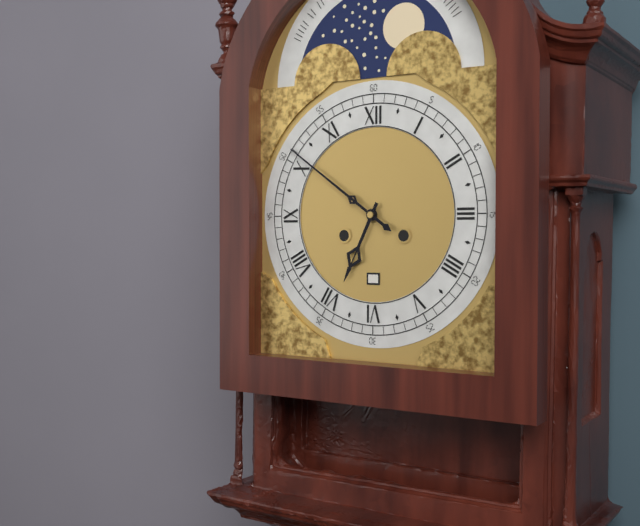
6:51
